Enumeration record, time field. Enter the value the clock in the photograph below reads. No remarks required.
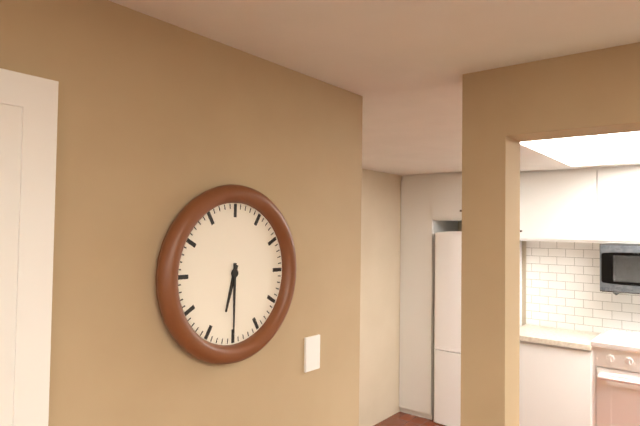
6:30
